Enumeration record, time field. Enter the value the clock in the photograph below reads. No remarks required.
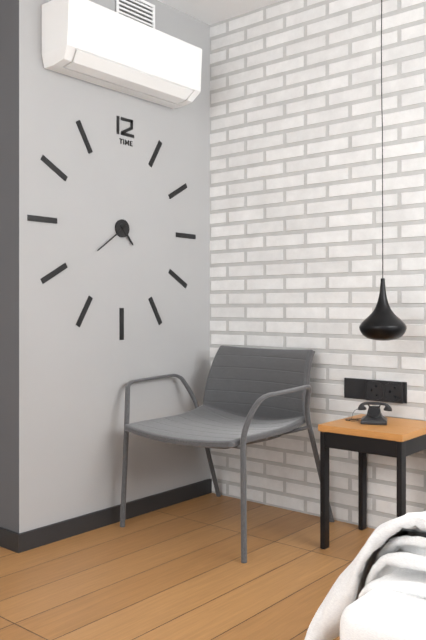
4:39
